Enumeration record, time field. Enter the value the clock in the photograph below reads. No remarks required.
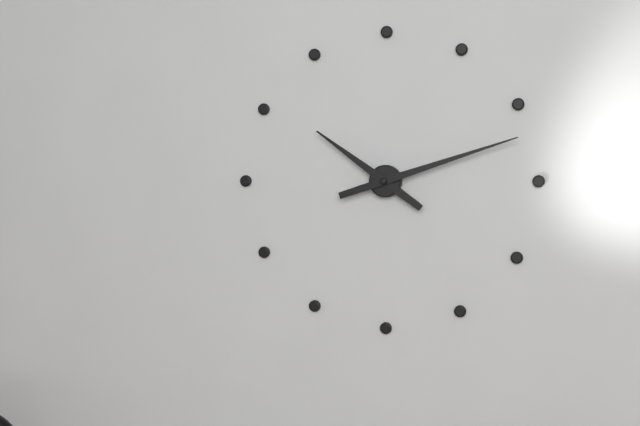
10:12
